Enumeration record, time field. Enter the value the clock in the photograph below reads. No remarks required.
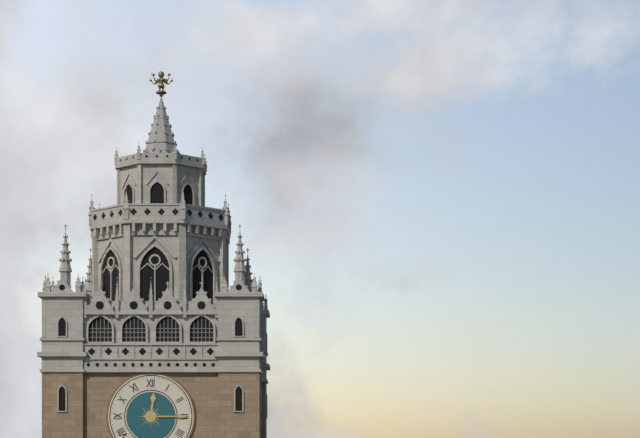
12:15
